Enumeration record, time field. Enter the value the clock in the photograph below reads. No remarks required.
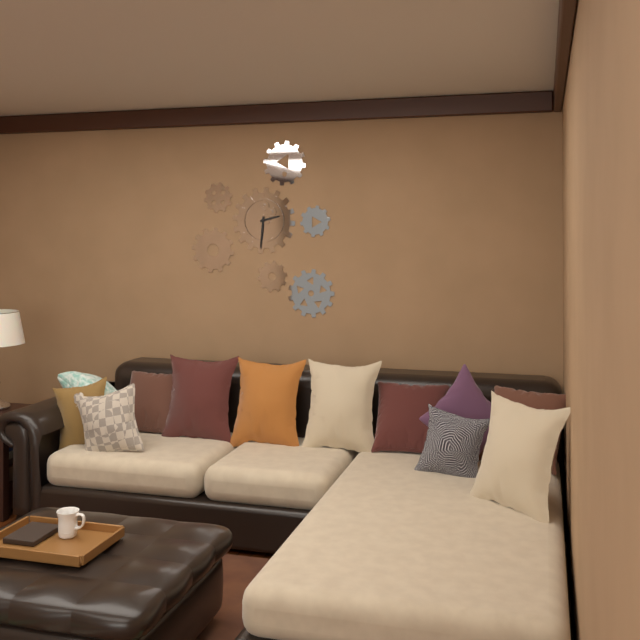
2:31
